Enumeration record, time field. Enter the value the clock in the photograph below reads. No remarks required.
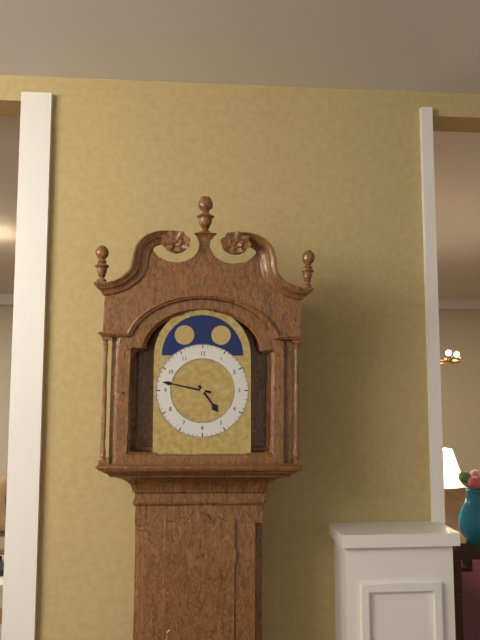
4:47
